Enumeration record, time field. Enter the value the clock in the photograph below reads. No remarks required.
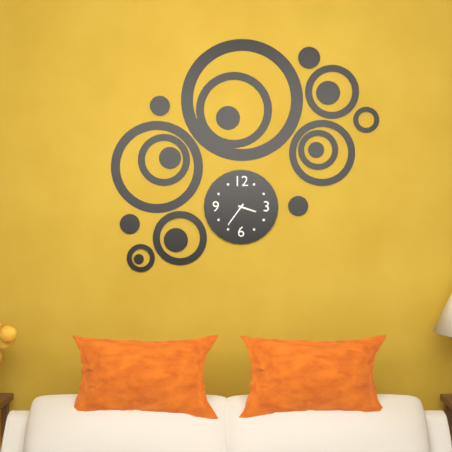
3:36
